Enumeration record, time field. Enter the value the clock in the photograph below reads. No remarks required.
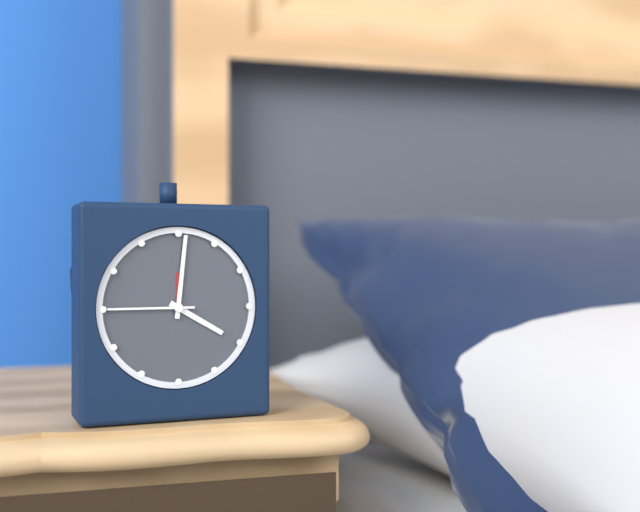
4:01:45
